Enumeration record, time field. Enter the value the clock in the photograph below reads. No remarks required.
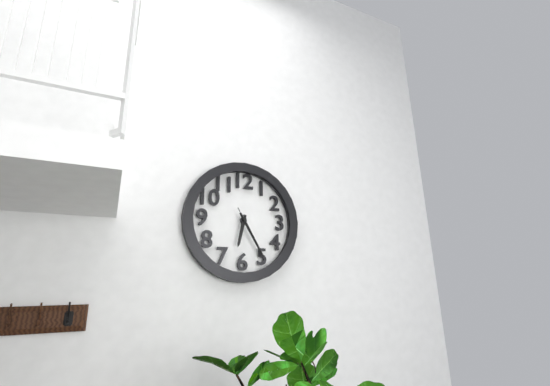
6:25:25
